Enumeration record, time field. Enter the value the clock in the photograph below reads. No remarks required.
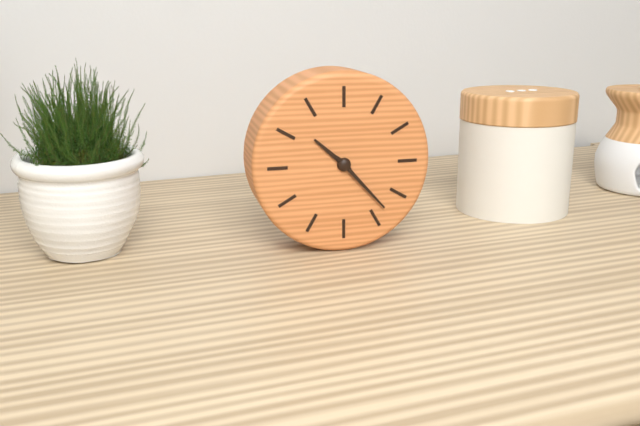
10:23
